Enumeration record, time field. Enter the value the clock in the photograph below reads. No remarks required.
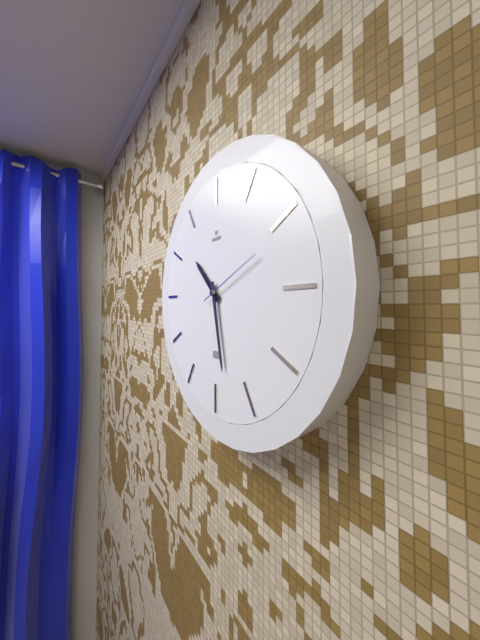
10:28:11
